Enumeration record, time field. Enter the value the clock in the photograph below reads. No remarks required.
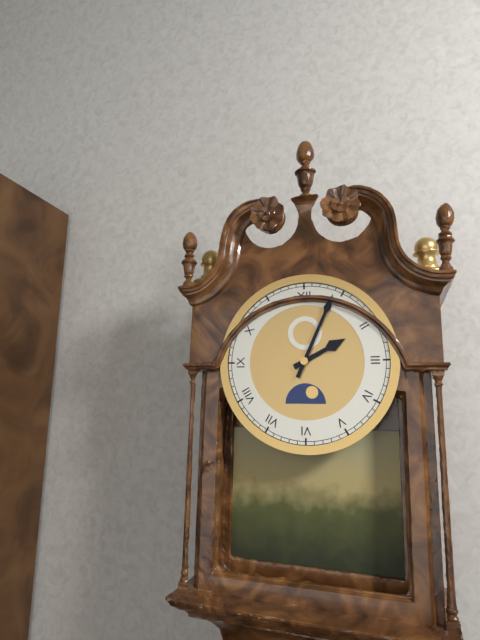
2:04
